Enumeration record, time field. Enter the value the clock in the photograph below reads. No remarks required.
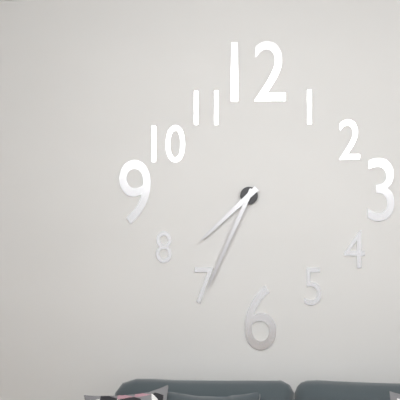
7:34
